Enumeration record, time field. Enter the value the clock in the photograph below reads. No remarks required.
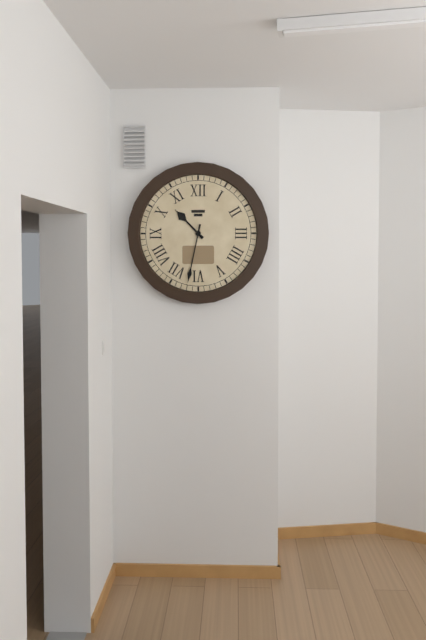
10:32
